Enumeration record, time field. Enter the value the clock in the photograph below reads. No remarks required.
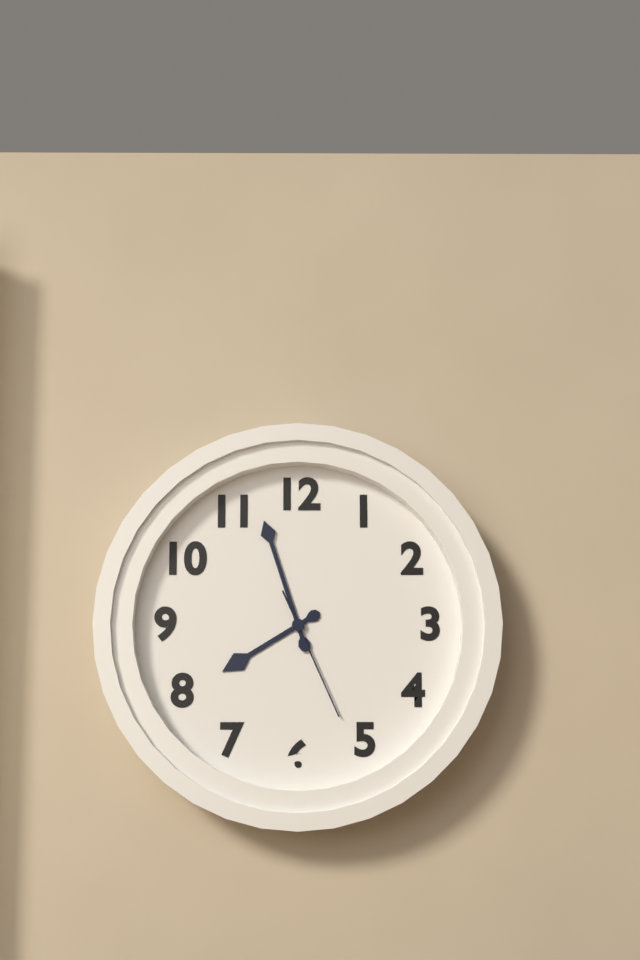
7:57:26
